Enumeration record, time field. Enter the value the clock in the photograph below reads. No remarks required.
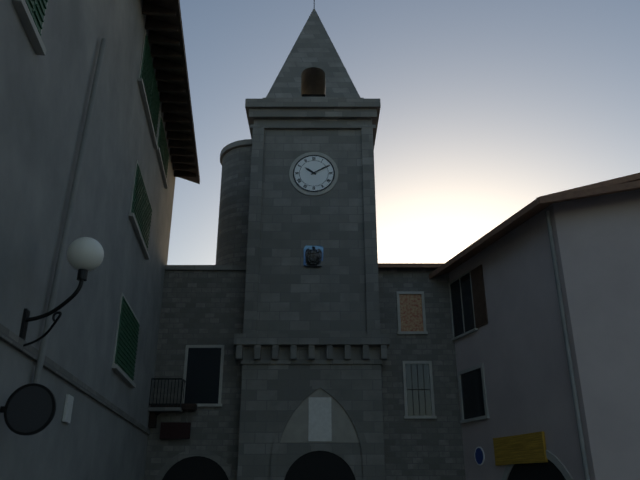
10:10
